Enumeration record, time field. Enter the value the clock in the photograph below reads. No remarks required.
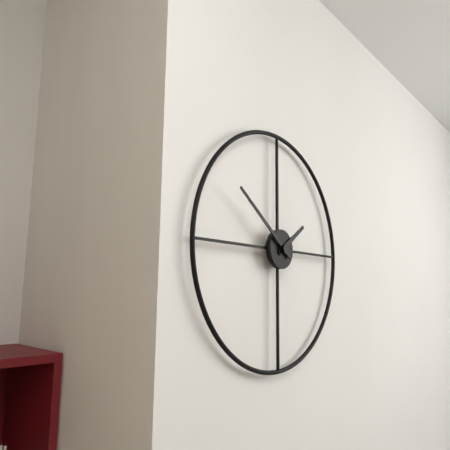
1:51
